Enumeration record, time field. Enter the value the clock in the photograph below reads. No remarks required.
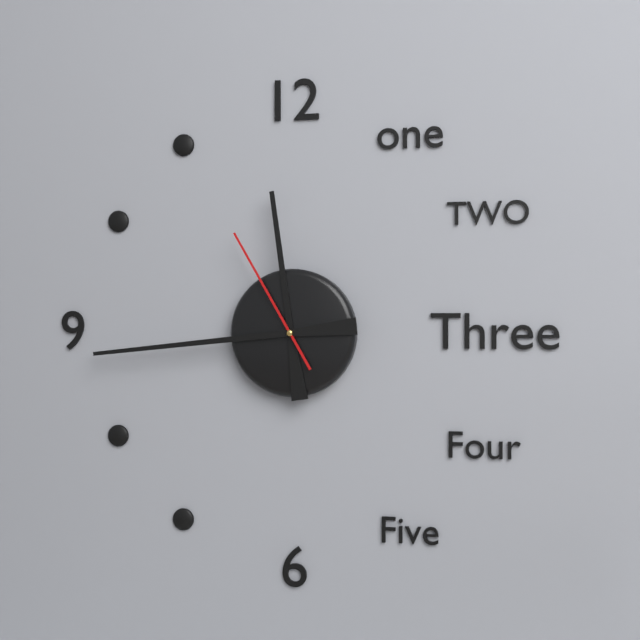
11:44:55
